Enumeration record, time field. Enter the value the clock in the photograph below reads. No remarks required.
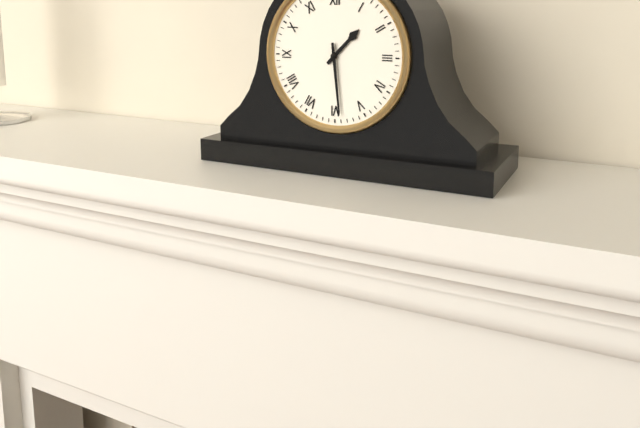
1:29
